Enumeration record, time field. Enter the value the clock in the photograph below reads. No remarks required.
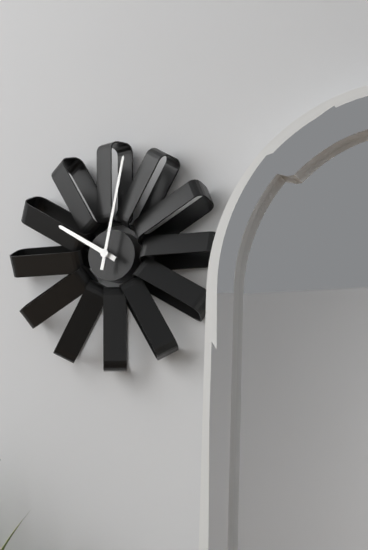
10:02
